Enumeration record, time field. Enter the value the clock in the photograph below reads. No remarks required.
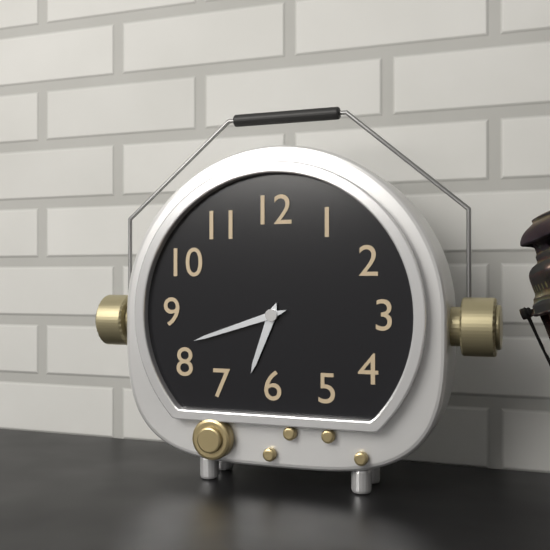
6:42
